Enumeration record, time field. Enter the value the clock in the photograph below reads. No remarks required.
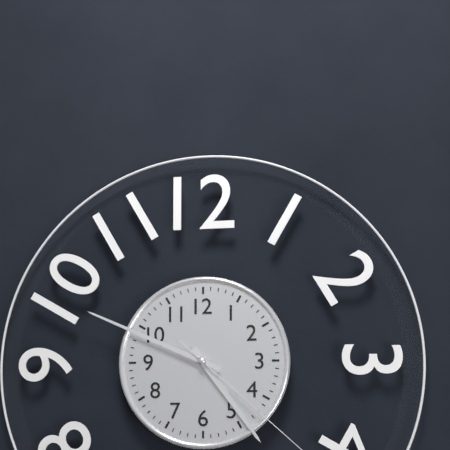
4:49
